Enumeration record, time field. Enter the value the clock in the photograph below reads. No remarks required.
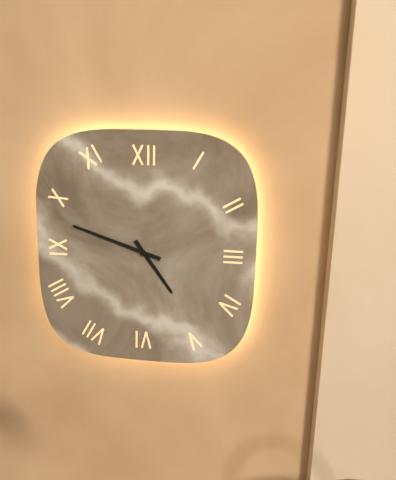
4:48
